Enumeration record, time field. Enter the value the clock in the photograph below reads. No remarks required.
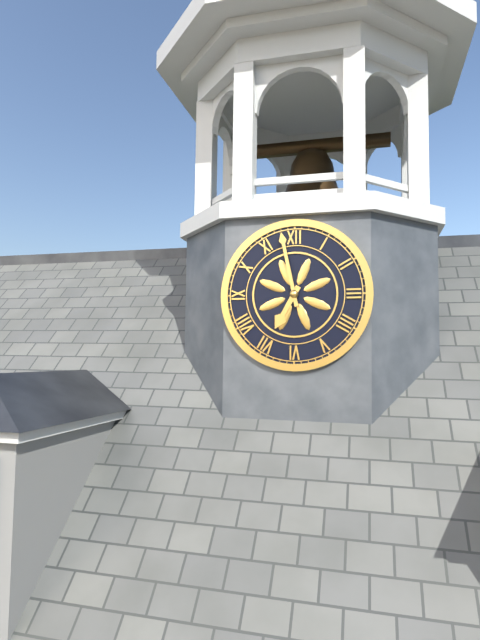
6:58
